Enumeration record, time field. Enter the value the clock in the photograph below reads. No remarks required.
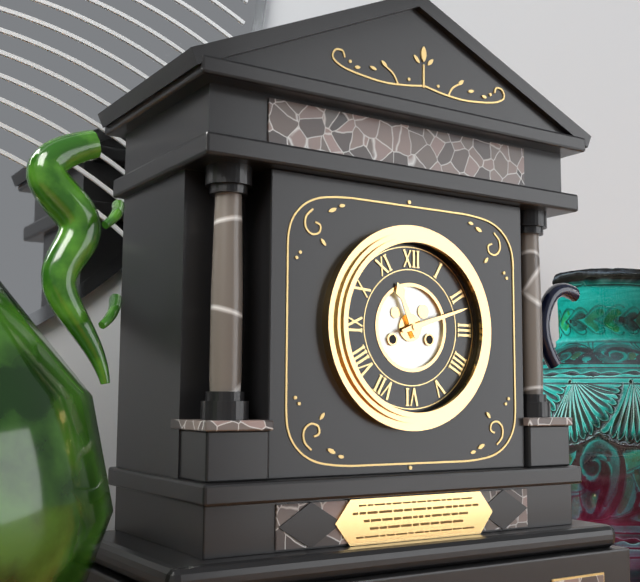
11:12
